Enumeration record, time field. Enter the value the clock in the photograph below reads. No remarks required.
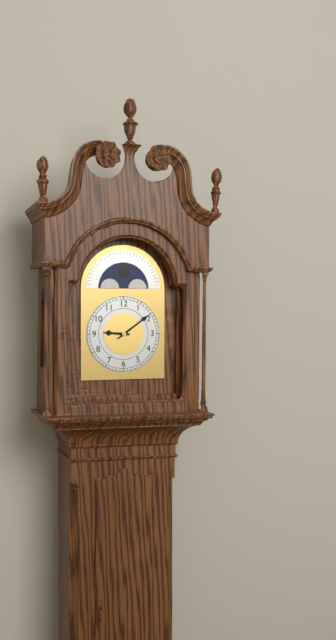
9:09
